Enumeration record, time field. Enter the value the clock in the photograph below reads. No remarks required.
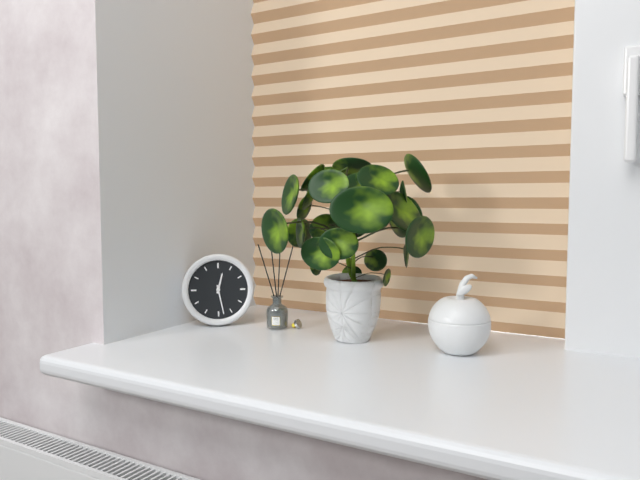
12:28
